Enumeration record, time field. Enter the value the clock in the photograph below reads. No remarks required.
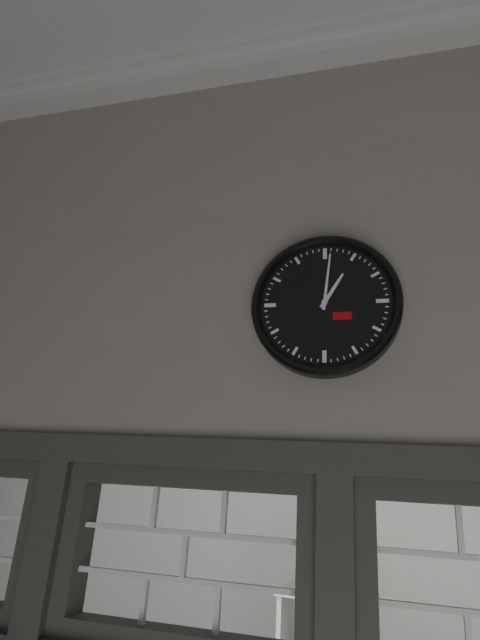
1:01
